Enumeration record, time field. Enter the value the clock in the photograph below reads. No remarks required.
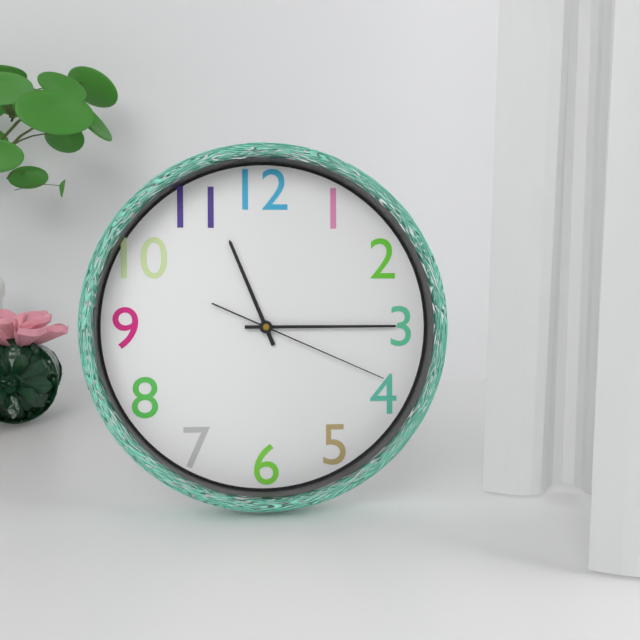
11:15:19
